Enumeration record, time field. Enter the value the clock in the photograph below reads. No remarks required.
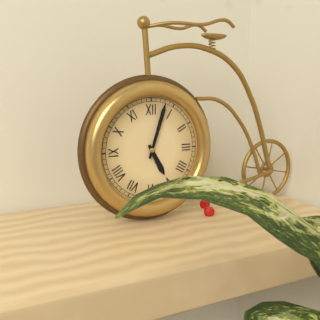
5:03
